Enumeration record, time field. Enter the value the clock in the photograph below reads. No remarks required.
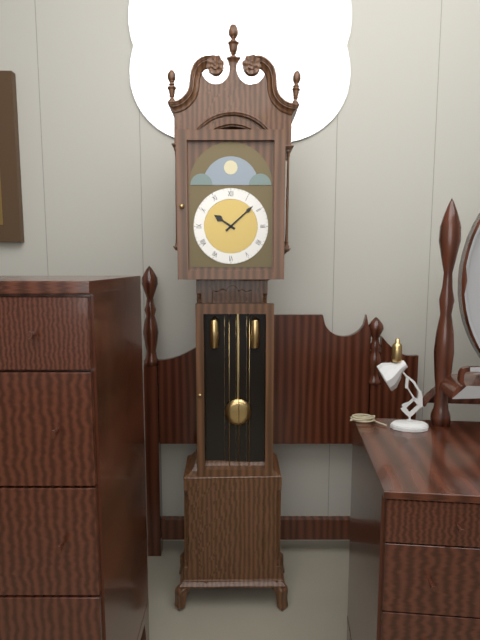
10:08
